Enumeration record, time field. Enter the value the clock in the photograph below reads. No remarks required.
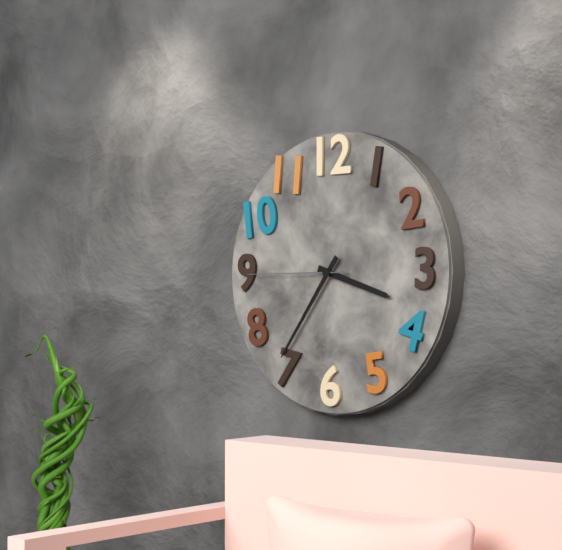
3:36:45
